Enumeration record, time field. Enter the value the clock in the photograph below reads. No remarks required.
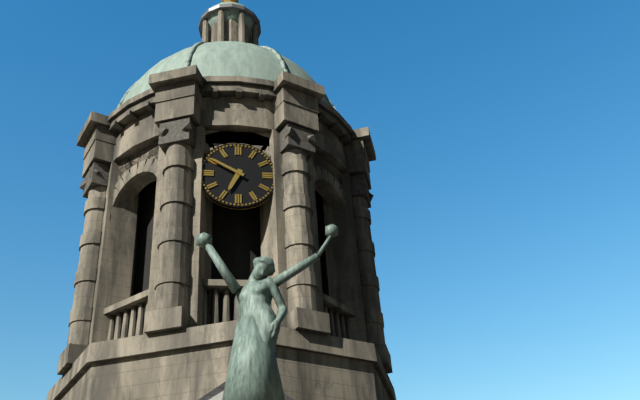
6:50
